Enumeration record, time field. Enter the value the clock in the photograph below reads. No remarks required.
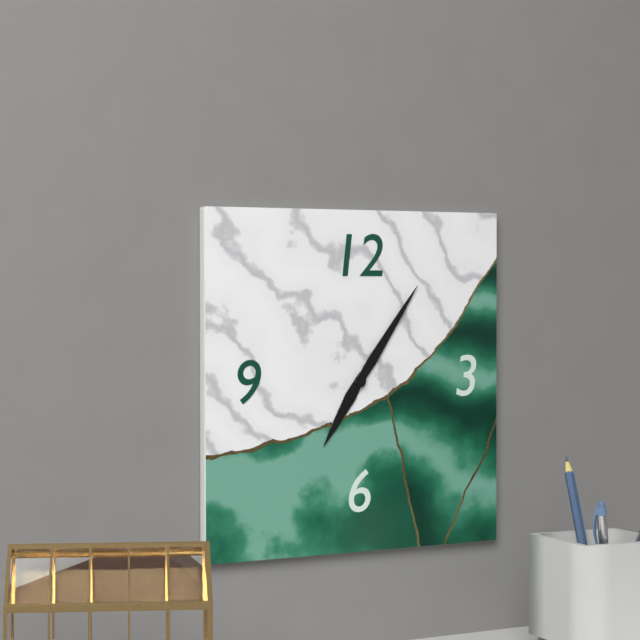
7:06
